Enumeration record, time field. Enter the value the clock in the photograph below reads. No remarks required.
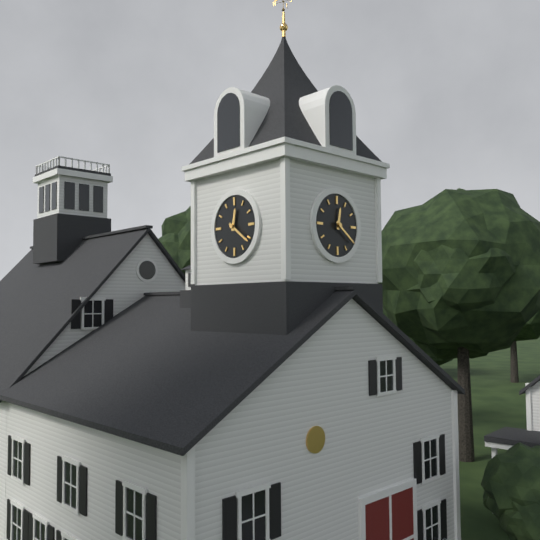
12:21
